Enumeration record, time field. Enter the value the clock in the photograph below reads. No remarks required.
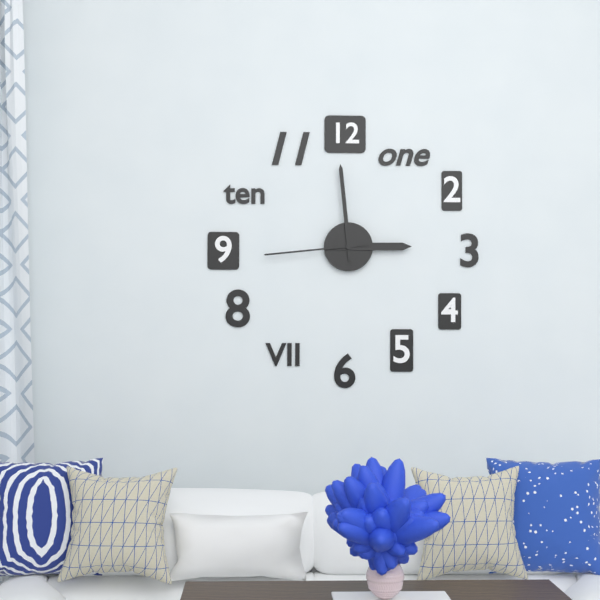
2:59:44
